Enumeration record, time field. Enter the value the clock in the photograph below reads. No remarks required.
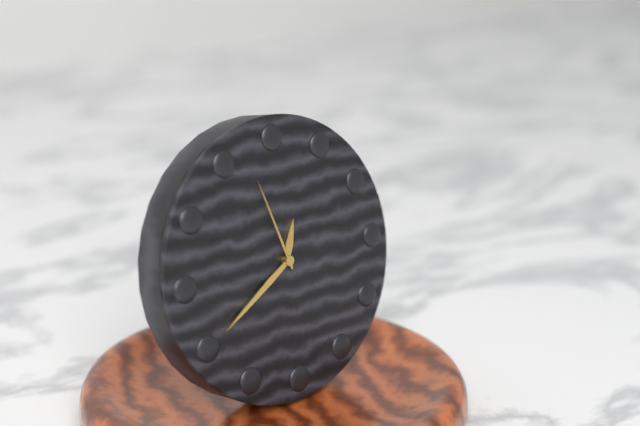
12:40:57
